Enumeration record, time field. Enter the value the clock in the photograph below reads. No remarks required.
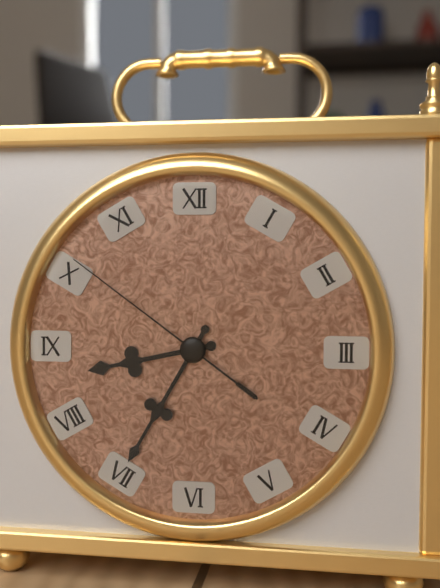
8:35:51
